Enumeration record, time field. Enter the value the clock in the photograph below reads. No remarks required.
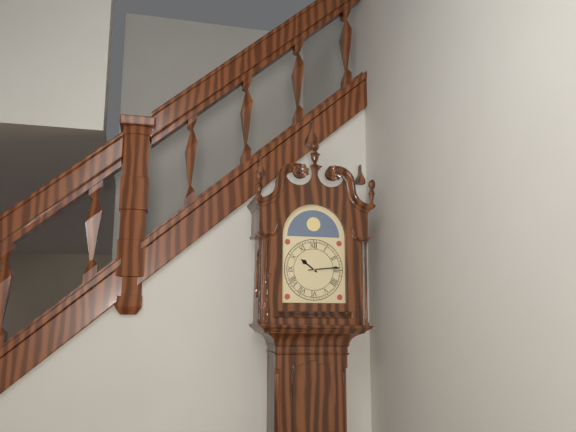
10:14
